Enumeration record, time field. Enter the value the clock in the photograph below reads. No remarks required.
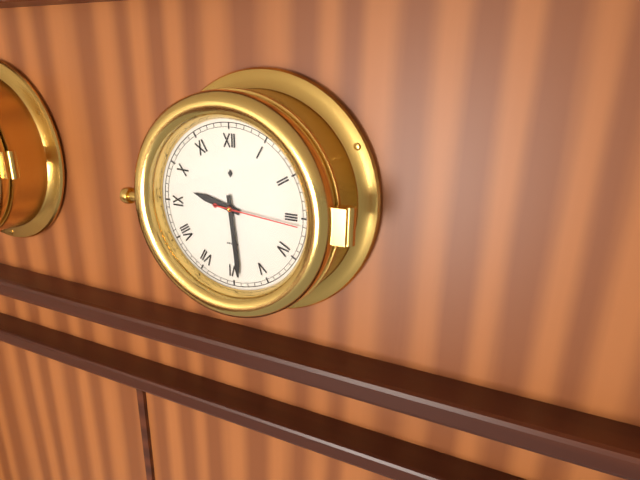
9:29:16
